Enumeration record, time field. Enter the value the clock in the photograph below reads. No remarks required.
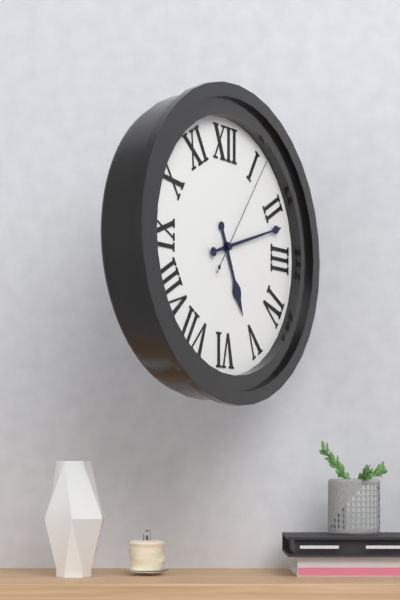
5:12:06
